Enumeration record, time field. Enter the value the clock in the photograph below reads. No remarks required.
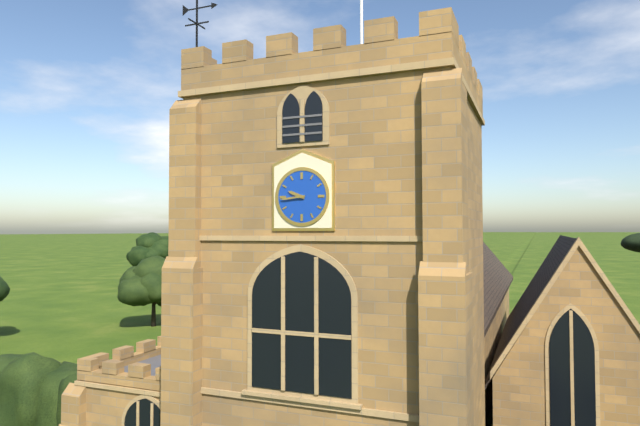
9:44
